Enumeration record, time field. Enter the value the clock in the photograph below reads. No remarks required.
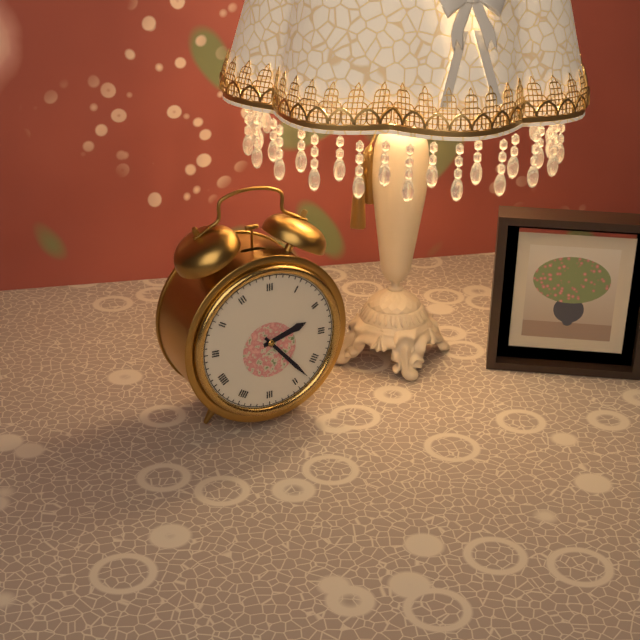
2:23
